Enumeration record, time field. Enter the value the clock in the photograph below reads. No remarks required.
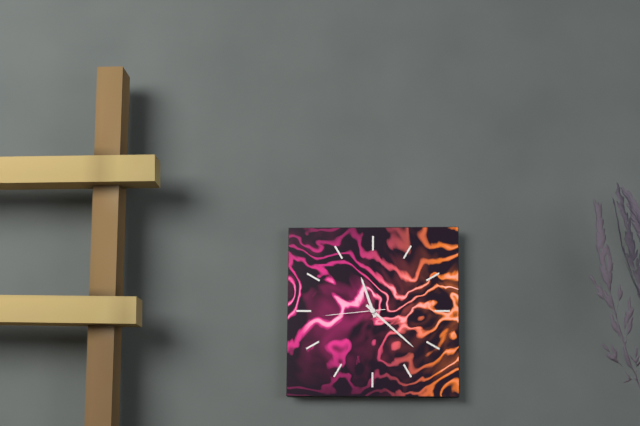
11:22:44
